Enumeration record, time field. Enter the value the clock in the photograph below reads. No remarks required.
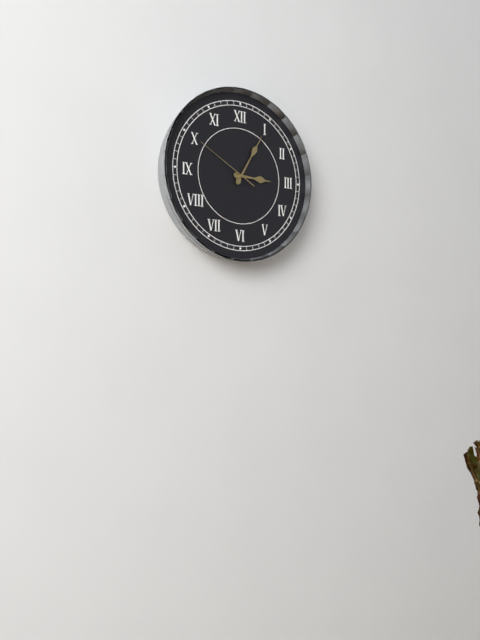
3:05:50
